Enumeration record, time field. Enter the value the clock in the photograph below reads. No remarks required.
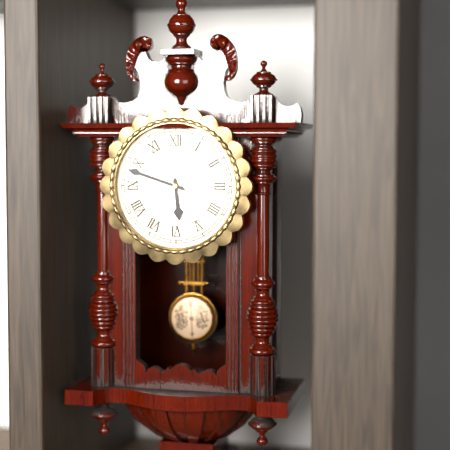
5:48
